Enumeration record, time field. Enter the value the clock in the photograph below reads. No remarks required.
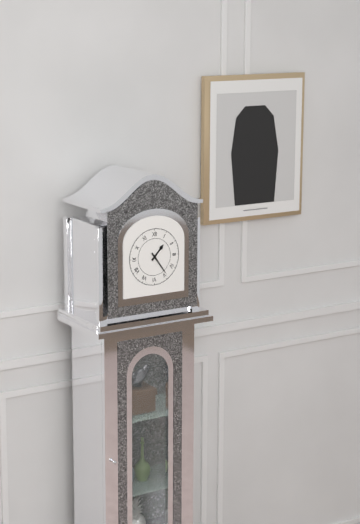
1:24
